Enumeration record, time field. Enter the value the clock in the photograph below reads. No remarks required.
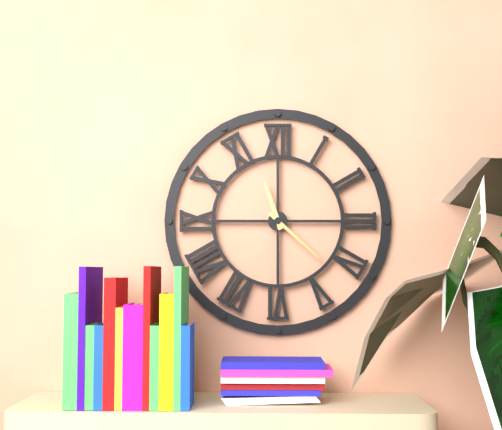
11:22
